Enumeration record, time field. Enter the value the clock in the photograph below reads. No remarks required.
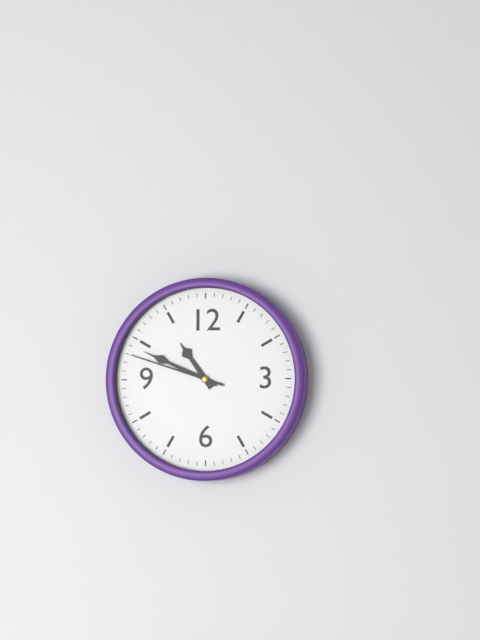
10:49:48
